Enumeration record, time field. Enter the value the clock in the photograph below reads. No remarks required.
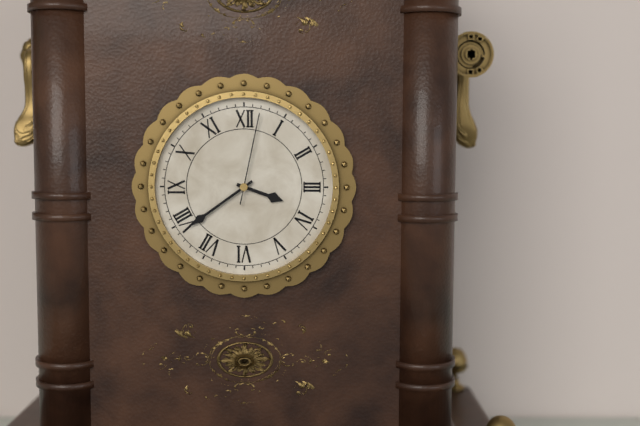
3:39:02
